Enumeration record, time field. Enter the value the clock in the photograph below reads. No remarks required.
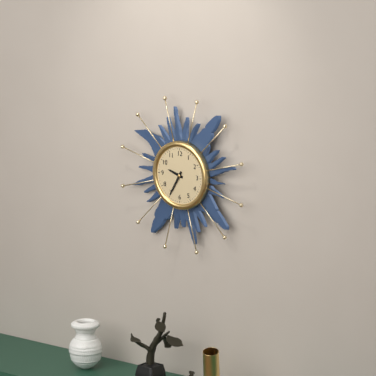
9:35
